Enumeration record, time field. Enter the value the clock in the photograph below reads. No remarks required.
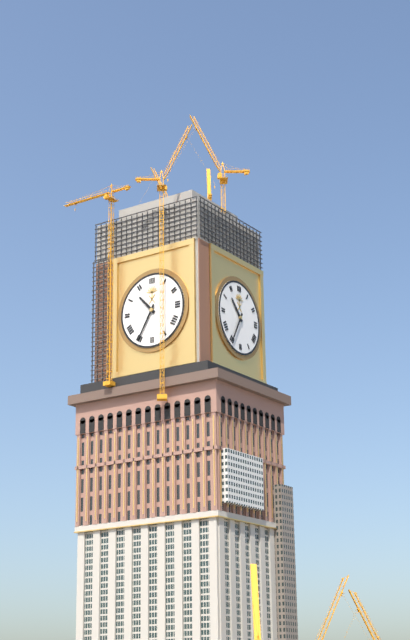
10:35
